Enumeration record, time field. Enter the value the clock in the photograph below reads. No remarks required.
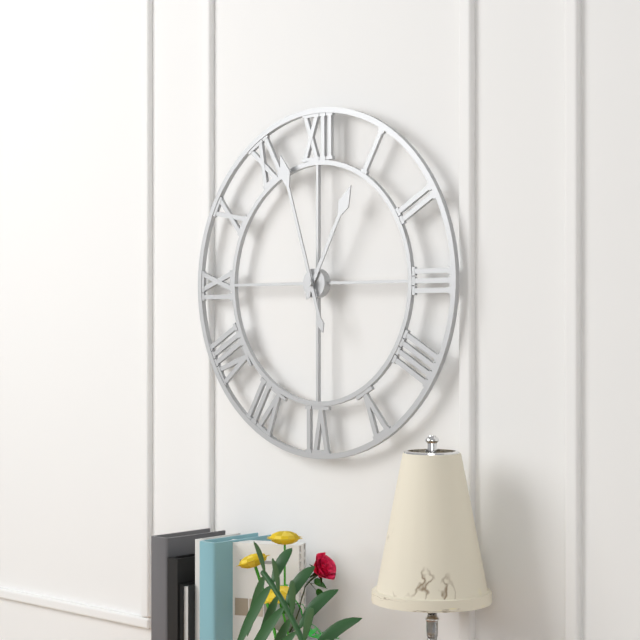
12:57
